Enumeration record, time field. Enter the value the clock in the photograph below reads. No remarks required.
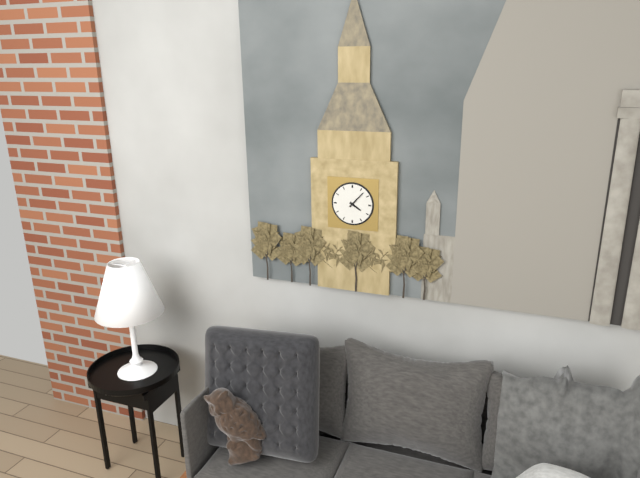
4:07
